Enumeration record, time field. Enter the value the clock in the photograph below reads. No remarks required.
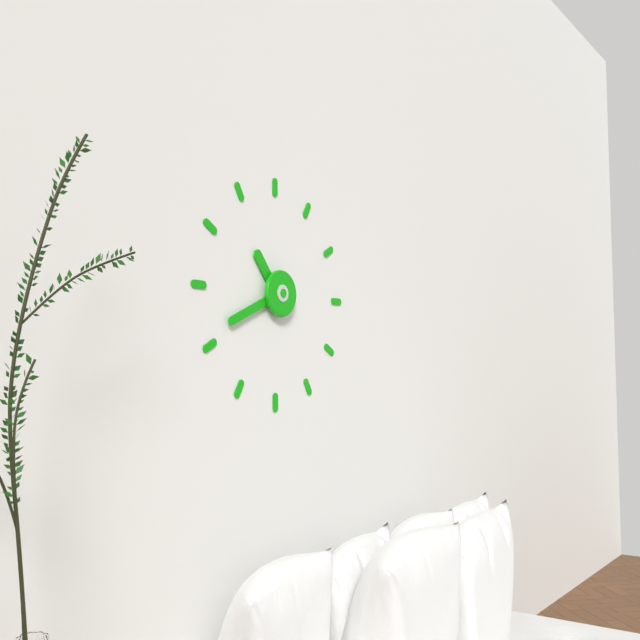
10:41
